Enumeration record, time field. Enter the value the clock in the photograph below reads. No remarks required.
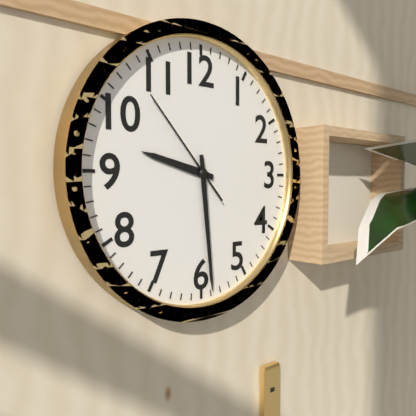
9:29:53
